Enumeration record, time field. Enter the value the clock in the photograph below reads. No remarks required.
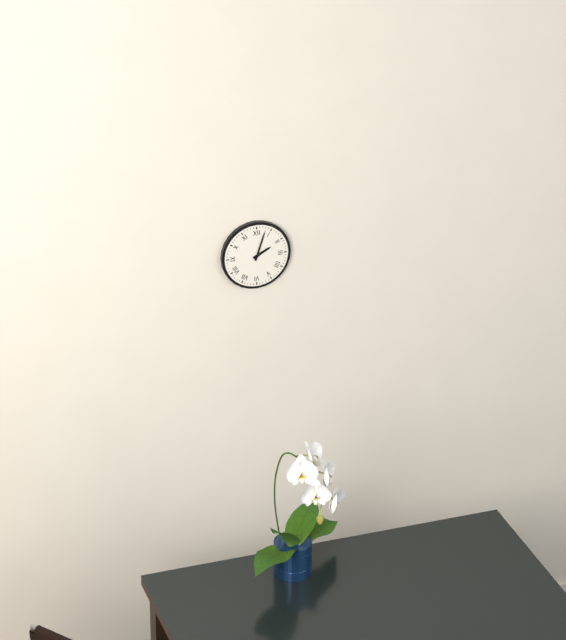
2:03
